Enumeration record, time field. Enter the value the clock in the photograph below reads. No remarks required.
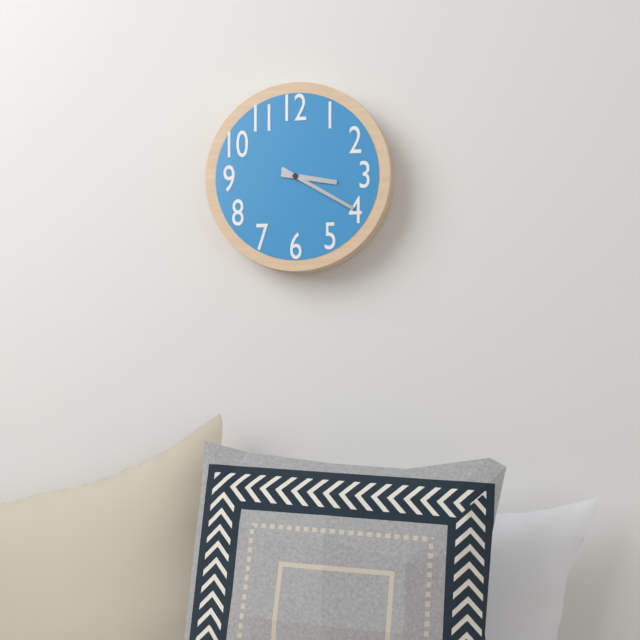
3:20
